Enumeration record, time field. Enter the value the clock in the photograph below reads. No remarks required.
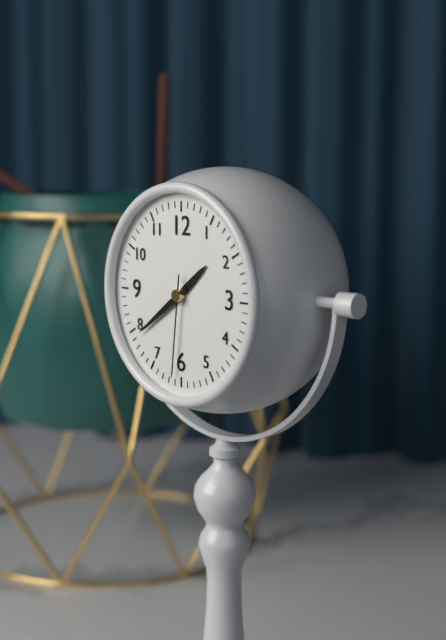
1:39:31
